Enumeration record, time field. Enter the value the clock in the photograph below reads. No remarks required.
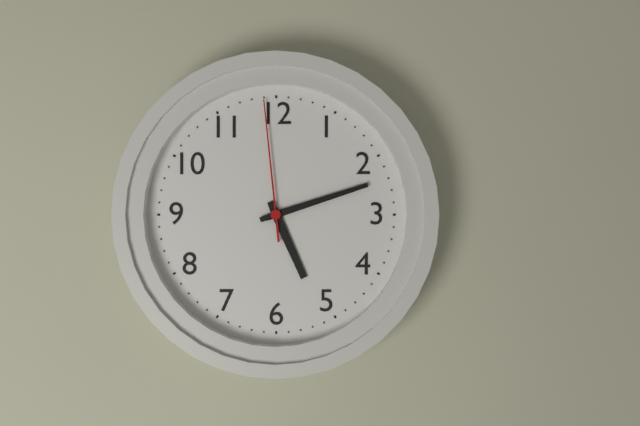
5:12:59
